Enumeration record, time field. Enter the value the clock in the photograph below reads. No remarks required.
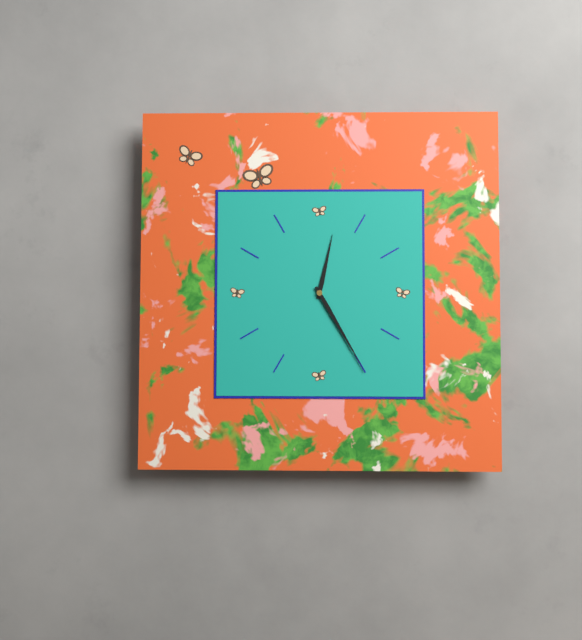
12:25
